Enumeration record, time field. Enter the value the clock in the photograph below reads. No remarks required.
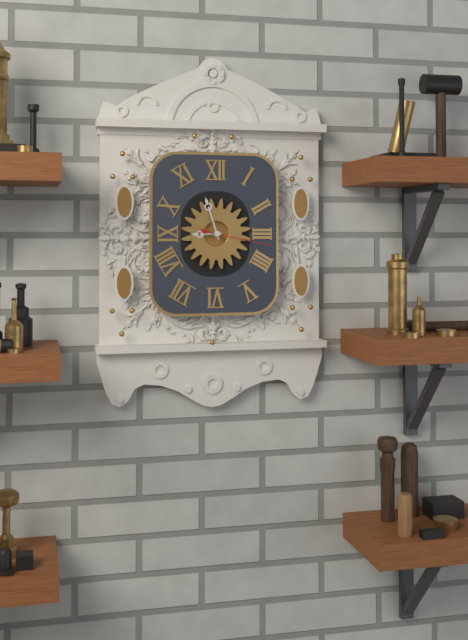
8:57:17
